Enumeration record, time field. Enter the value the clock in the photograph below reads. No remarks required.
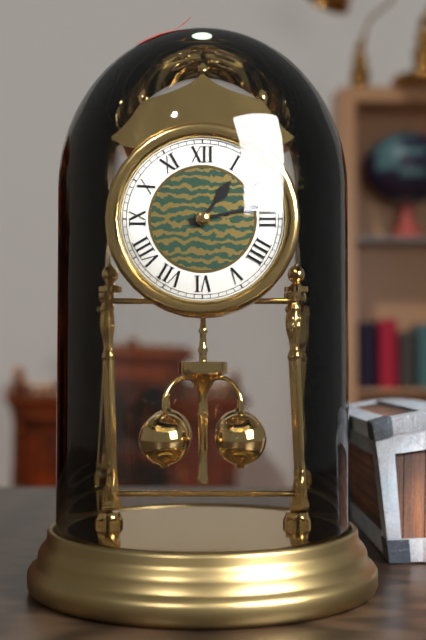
1:13
